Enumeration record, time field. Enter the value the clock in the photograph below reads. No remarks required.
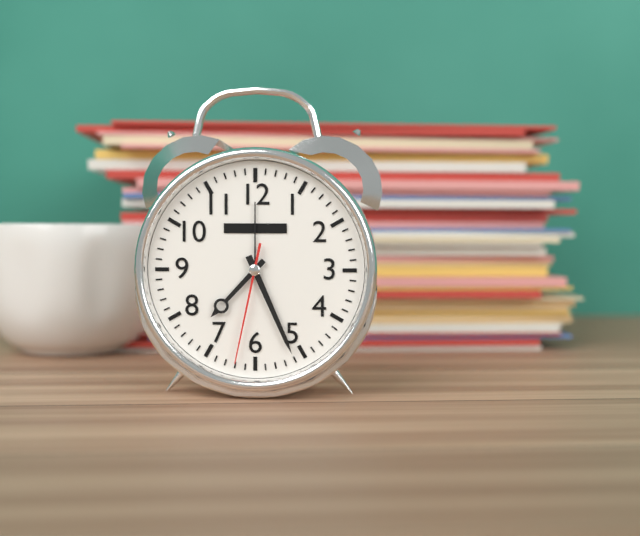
7:26:32
